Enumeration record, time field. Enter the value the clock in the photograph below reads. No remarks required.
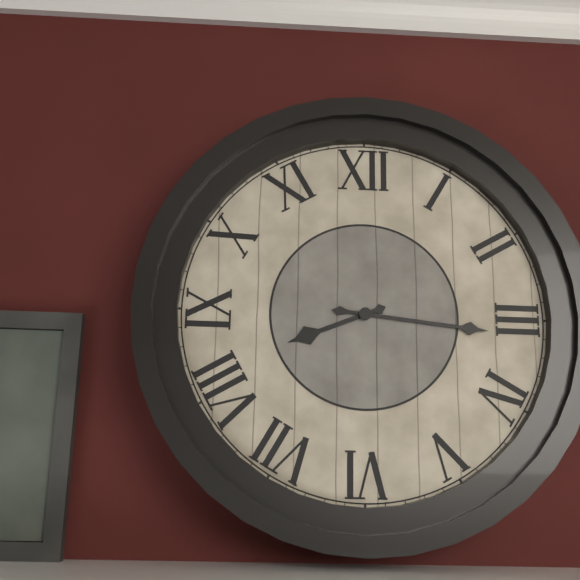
8:16
